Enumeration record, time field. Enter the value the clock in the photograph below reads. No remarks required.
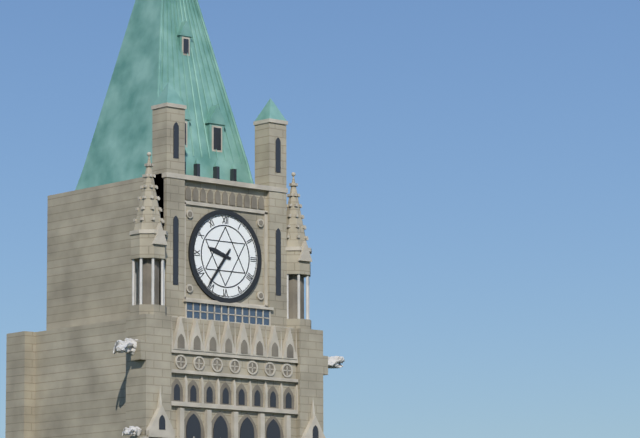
9:36
